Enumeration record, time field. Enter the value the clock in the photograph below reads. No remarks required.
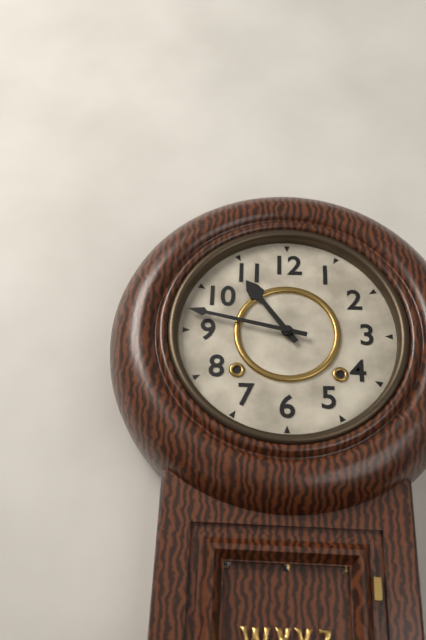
10:47
